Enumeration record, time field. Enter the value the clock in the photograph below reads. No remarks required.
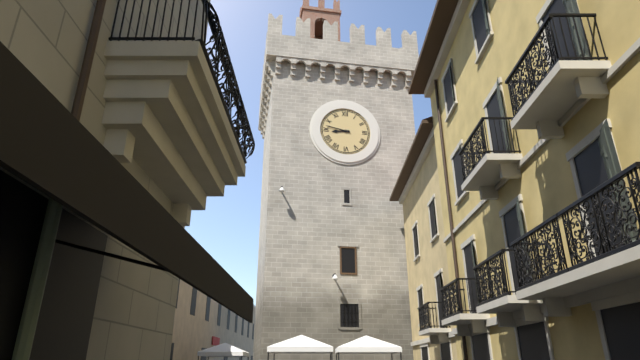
8:47
